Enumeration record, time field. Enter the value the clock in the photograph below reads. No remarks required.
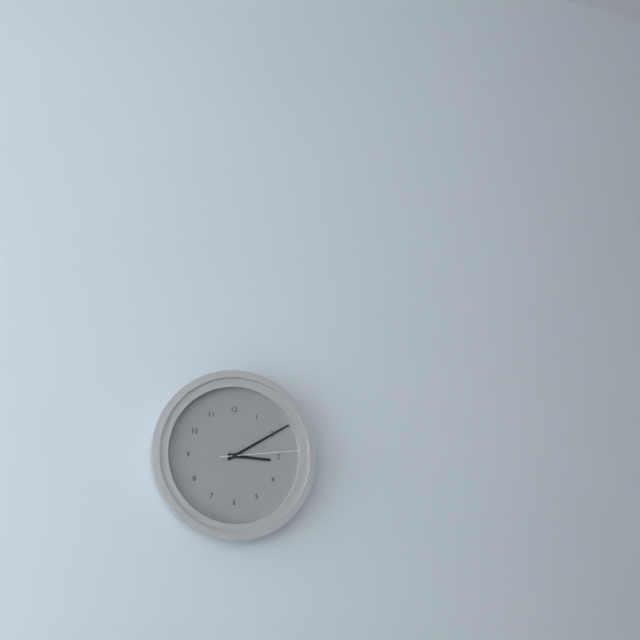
3:10:14
